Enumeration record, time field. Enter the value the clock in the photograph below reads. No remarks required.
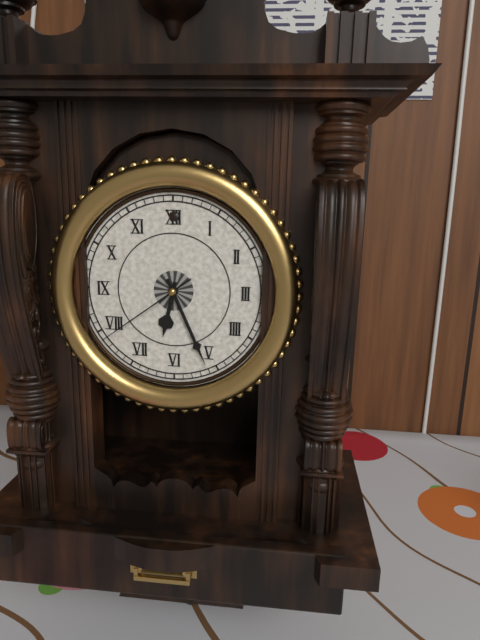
6:26:39
